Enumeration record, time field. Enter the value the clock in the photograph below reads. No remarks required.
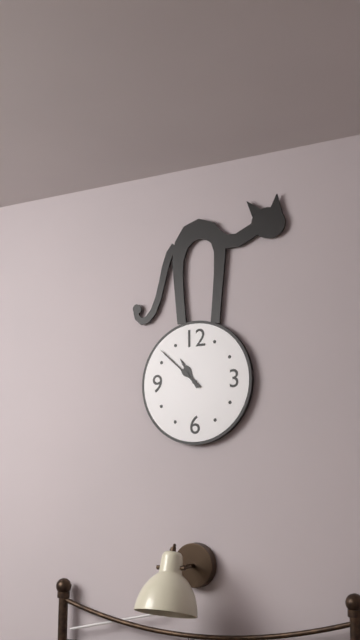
10:52
